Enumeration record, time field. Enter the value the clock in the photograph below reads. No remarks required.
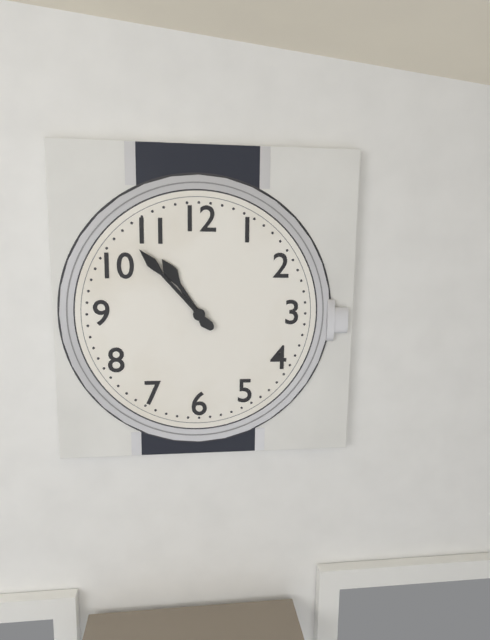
10:53
